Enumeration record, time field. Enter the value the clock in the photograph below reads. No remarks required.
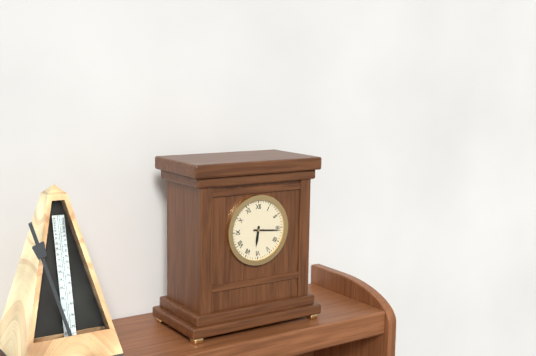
6:16
